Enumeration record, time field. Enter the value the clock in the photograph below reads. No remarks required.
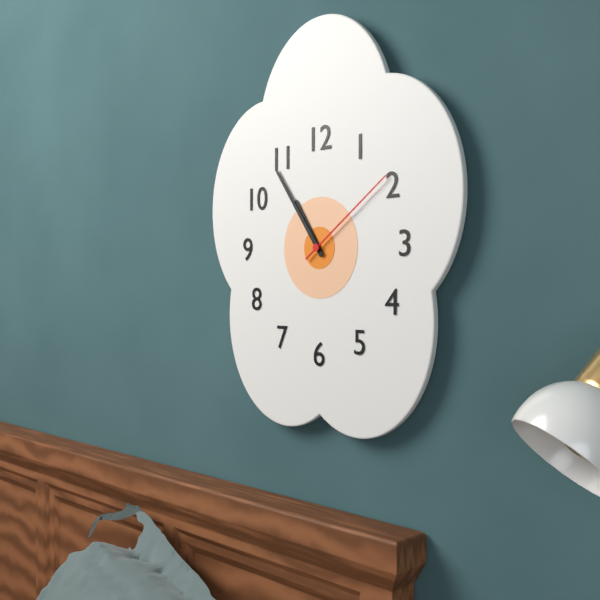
10:54:09
